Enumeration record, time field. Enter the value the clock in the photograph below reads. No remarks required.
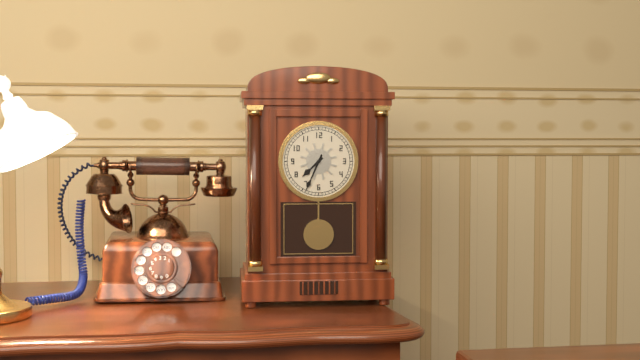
7:34
